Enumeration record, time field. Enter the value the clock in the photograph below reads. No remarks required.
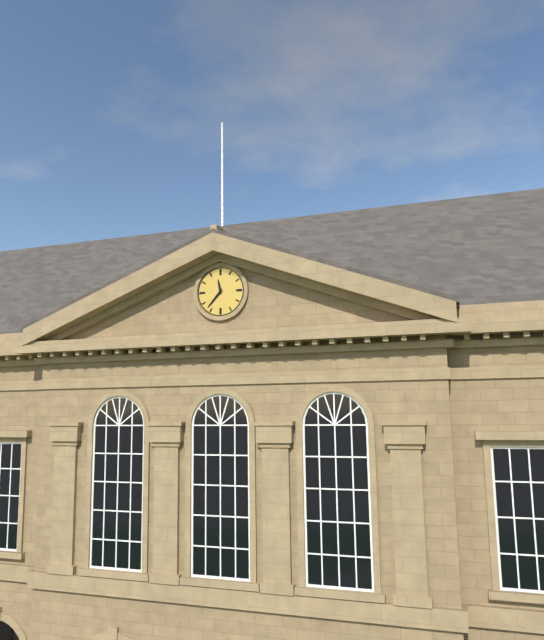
11:37
